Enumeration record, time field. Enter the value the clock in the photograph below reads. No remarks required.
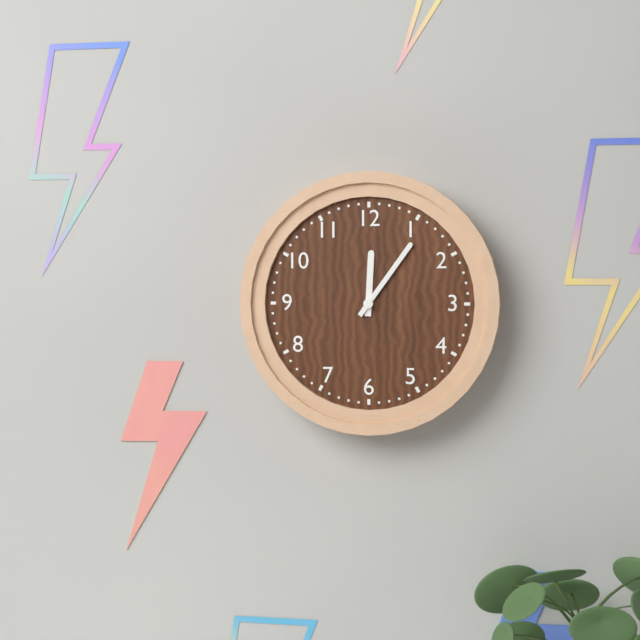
12:06
